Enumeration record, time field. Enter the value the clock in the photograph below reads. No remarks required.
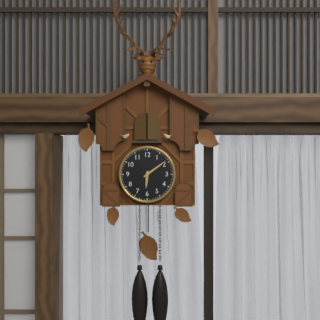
6:09
